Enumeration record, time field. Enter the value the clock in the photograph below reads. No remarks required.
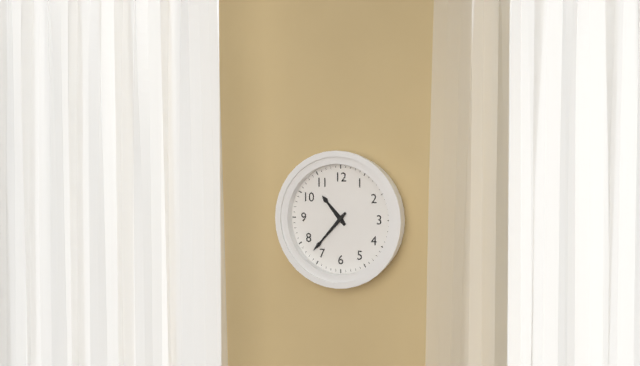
10:37
